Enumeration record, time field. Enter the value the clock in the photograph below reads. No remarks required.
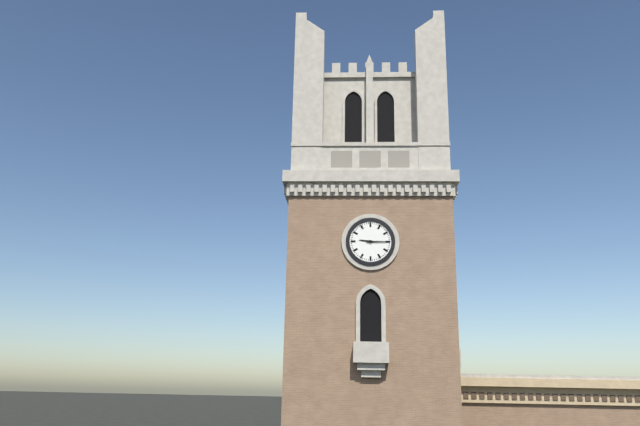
9:15
